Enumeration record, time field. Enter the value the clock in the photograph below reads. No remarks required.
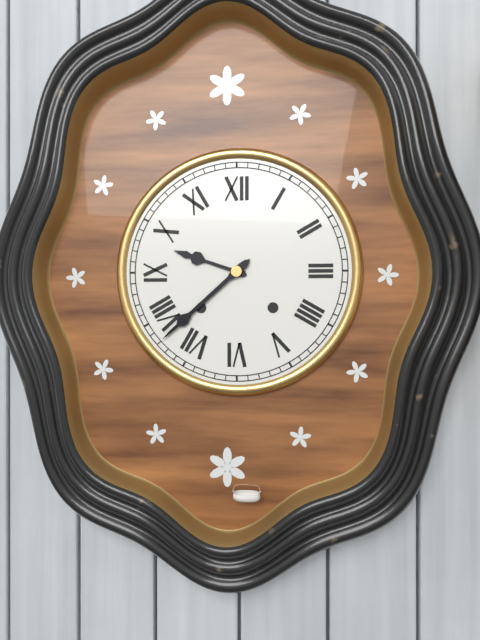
9:38
